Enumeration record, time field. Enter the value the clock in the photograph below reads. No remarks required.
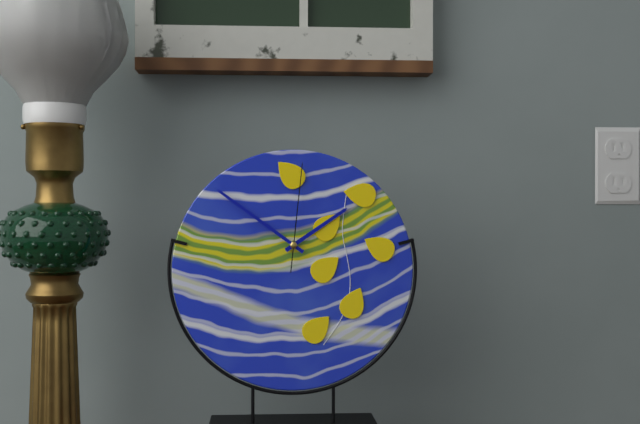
1:51:01
